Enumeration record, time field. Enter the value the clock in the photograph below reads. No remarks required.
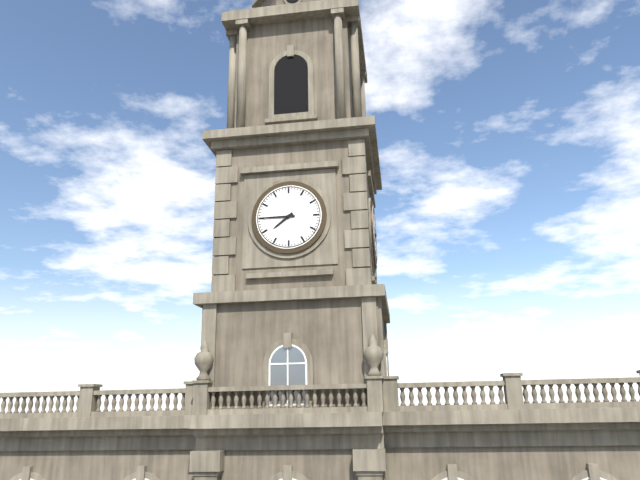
7:45
